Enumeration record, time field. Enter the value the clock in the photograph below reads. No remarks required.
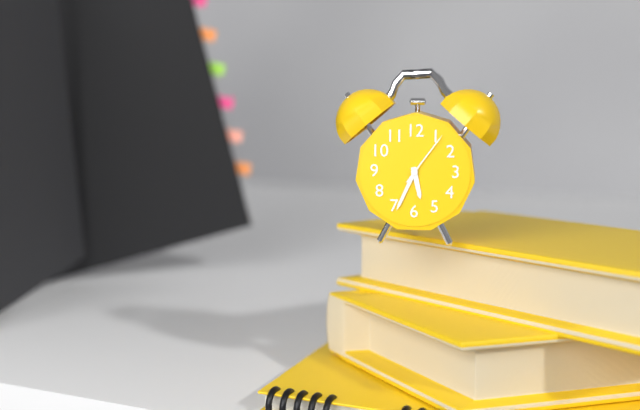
5:34:06
